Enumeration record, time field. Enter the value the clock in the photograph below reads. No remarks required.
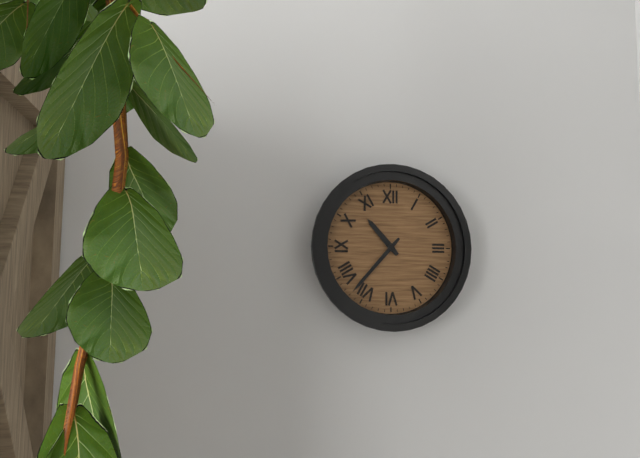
10:37
